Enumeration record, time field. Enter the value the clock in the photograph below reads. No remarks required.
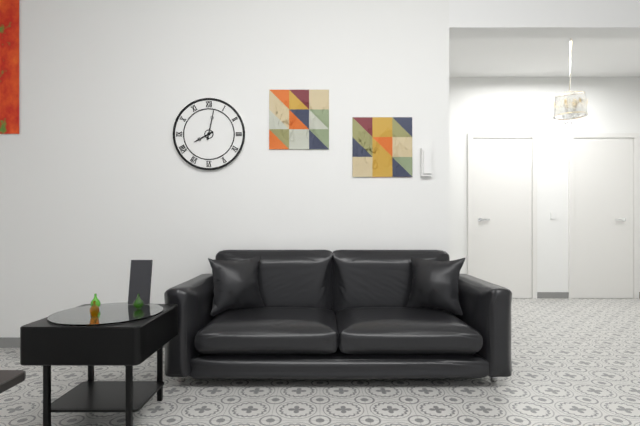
8:02
